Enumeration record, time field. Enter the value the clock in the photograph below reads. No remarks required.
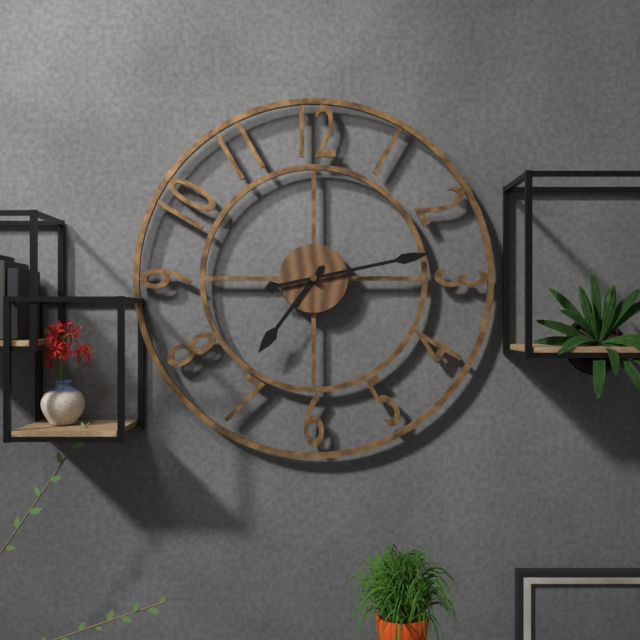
7:13
